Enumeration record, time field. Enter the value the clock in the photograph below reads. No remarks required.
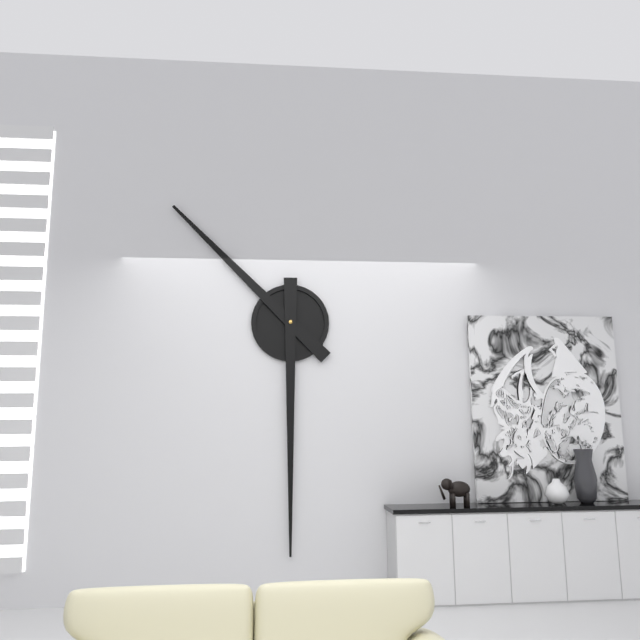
10:30
